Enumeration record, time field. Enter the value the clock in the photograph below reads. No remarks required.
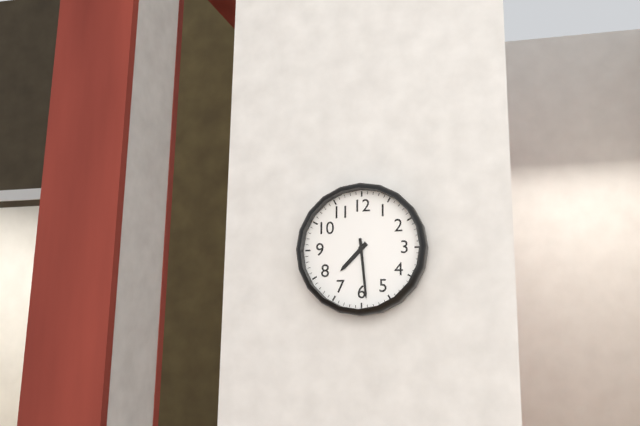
7:29
